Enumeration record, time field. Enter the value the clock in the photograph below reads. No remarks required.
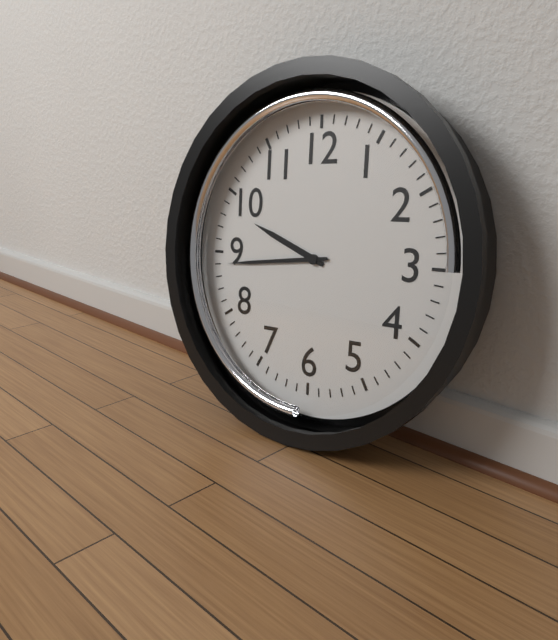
9:44
